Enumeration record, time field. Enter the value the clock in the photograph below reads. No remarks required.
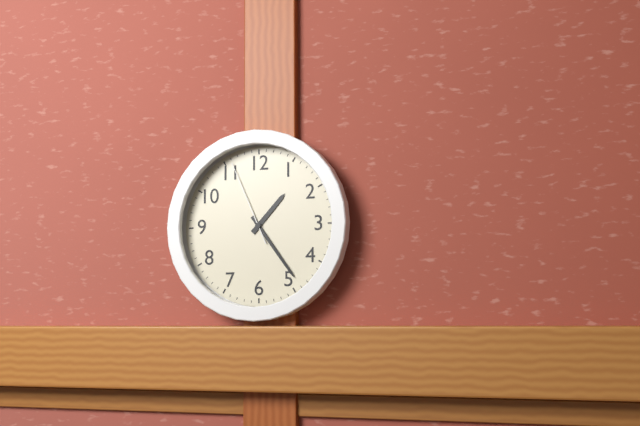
1:24:56
